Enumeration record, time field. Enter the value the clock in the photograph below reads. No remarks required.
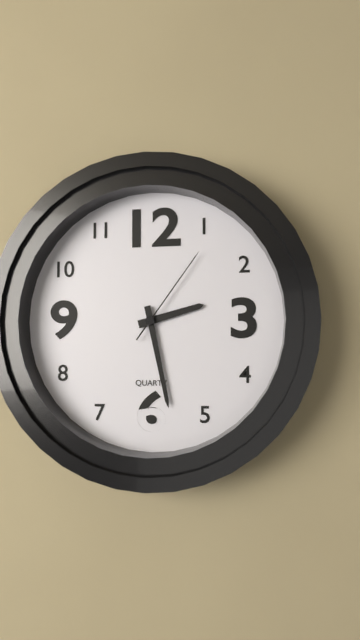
2:28:06
